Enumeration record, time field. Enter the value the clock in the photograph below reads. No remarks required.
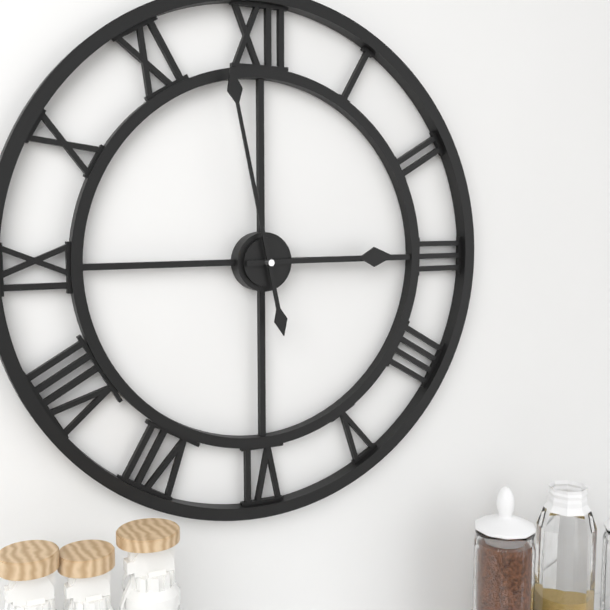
2:58
